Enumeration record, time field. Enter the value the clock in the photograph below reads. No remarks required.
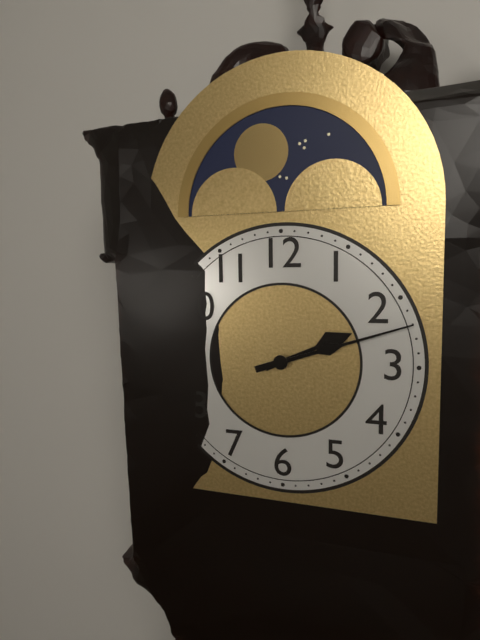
2:12
